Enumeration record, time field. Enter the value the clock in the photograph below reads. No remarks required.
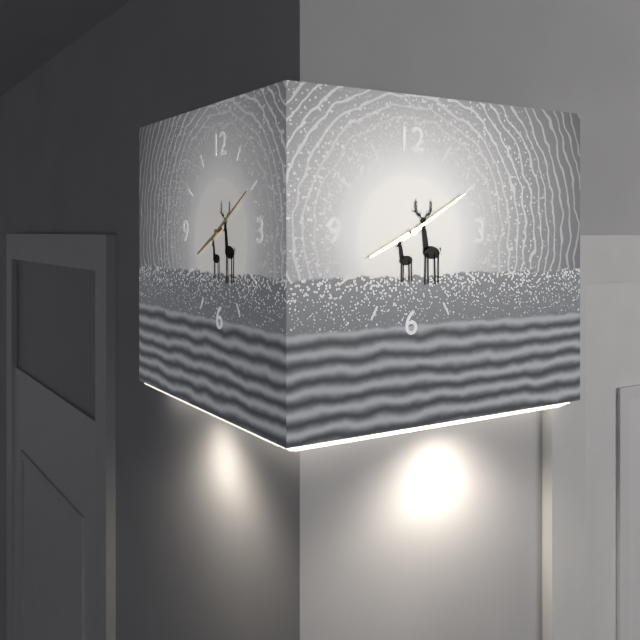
8:10
